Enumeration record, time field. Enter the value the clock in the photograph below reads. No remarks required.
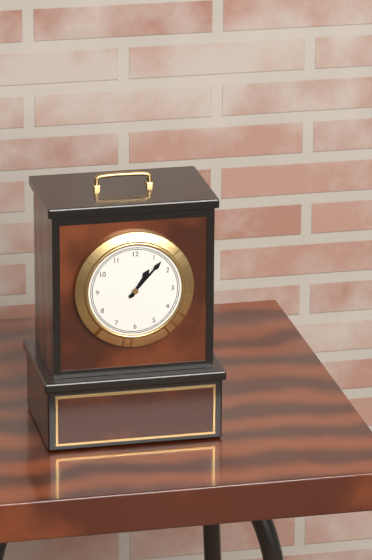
1:07
